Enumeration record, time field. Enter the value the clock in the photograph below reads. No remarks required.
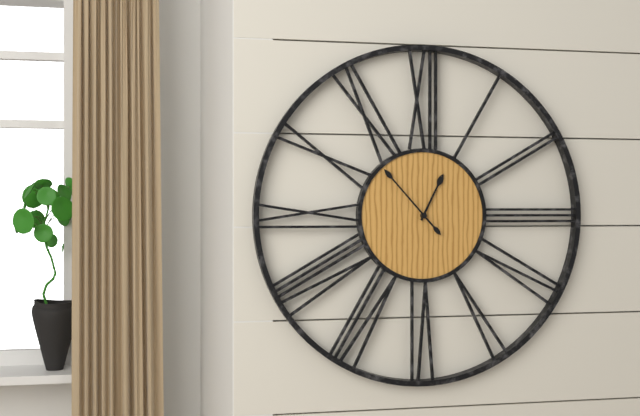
12:53
